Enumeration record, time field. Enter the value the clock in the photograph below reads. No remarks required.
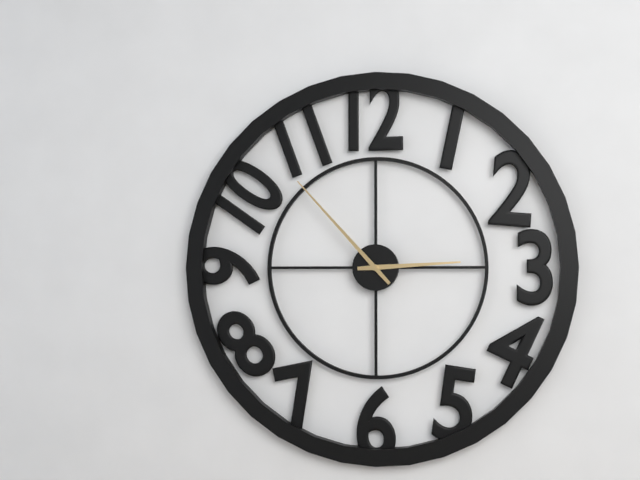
2:53
